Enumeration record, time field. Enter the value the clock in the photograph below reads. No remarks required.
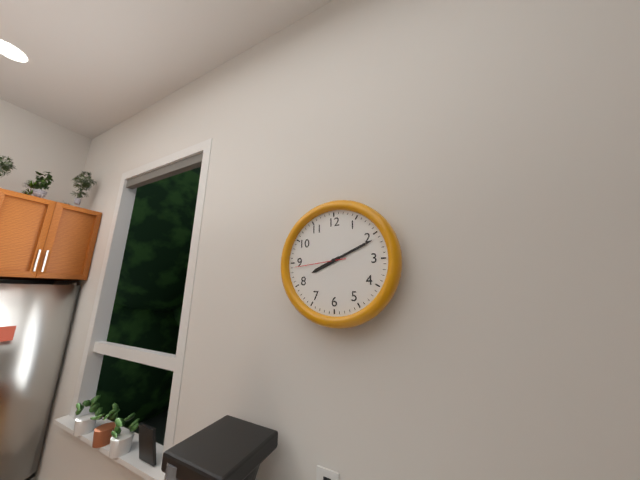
8:11:44
